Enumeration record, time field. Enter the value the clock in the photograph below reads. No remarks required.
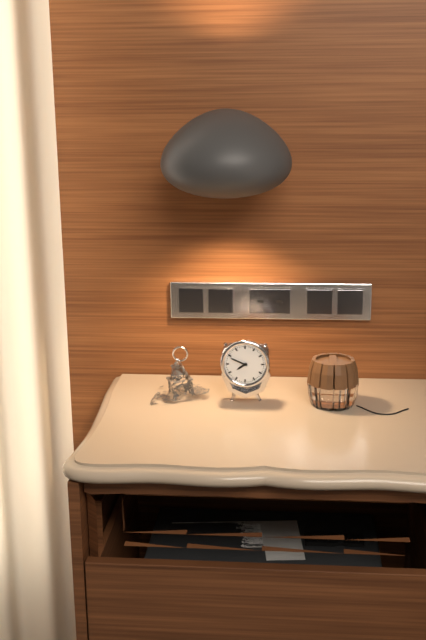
7:49
